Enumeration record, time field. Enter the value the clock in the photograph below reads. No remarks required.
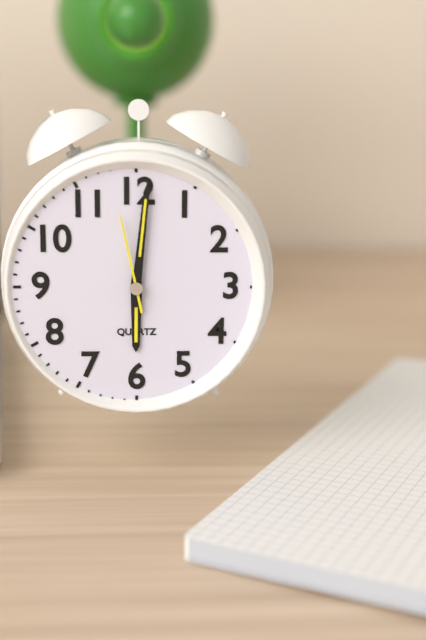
6:01:58
